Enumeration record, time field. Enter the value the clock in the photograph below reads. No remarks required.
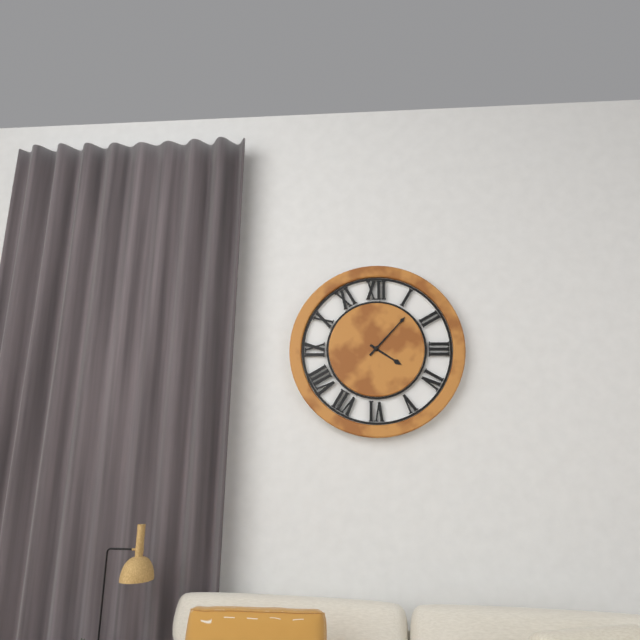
4:07
